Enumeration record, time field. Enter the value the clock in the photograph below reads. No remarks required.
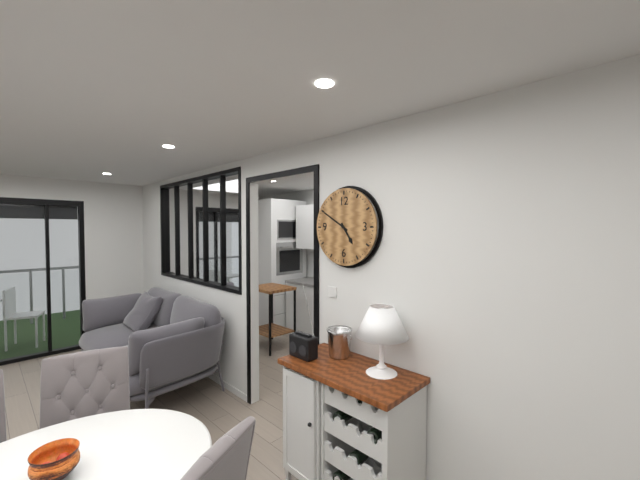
4:50
